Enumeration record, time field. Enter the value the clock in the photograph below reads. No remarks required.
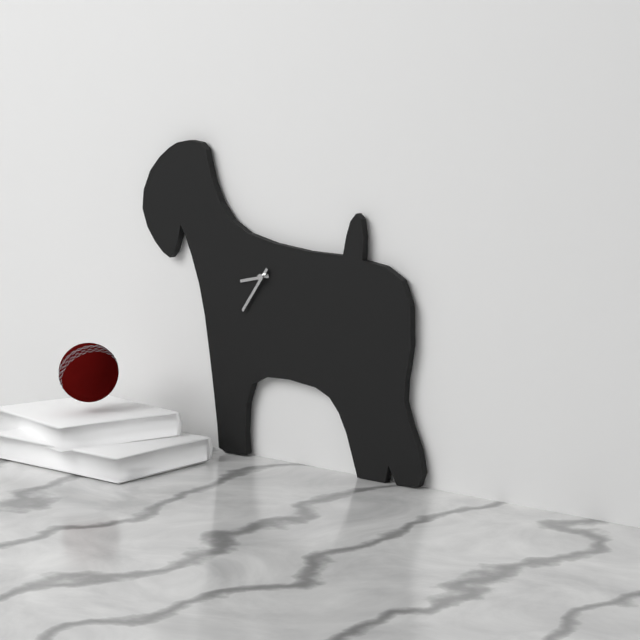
8:36
